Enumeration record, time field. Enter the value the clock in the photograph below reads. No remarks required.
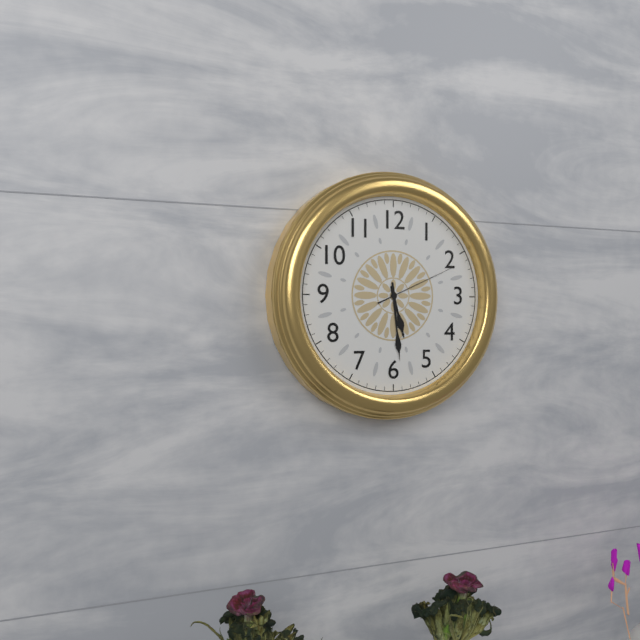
5:29:11
